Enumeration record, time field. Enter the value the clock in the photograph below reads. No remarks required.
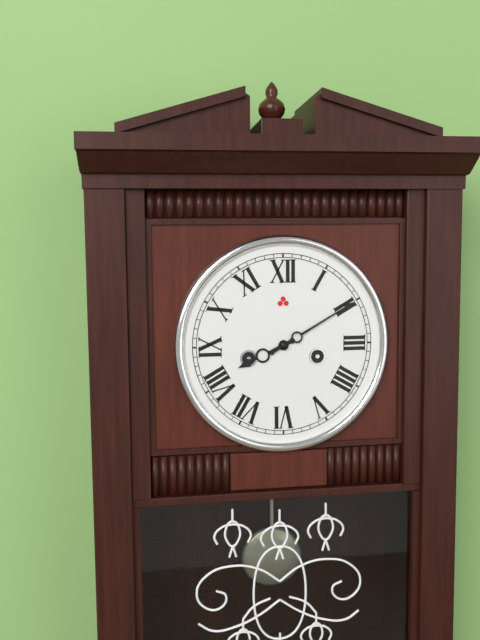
8:10
